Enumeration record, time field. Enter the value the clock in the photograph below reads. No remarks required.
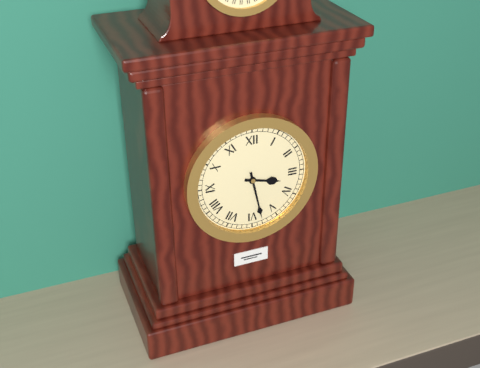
3:28
